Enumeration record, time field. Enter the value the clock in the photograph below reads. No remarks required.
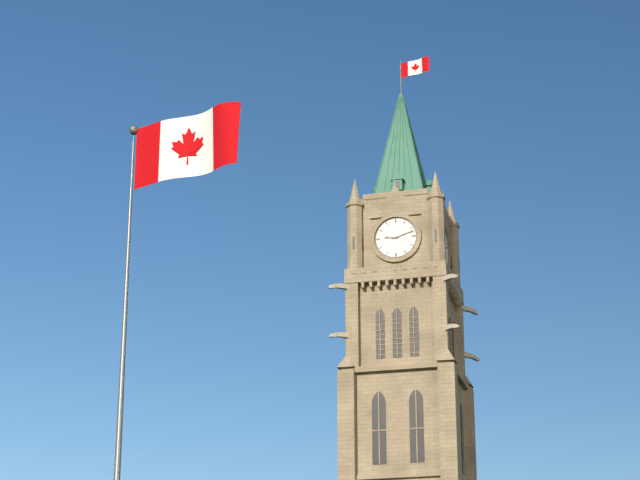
9:12
